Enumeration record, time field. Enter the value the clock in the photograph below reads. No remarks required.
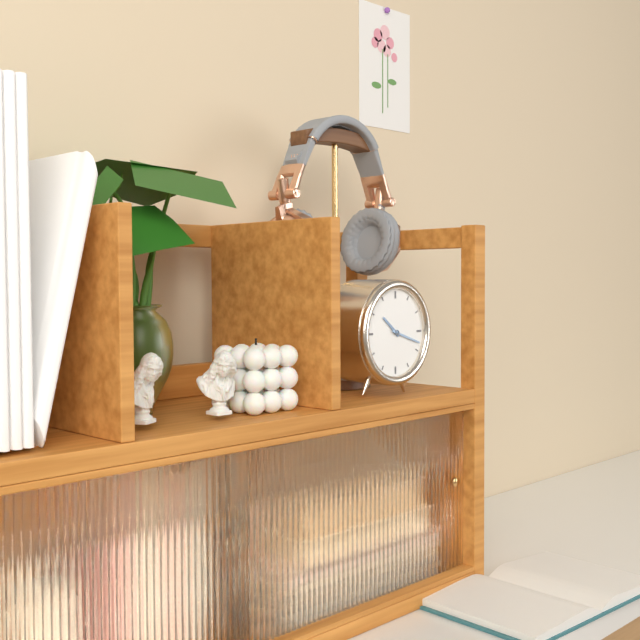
10:18
